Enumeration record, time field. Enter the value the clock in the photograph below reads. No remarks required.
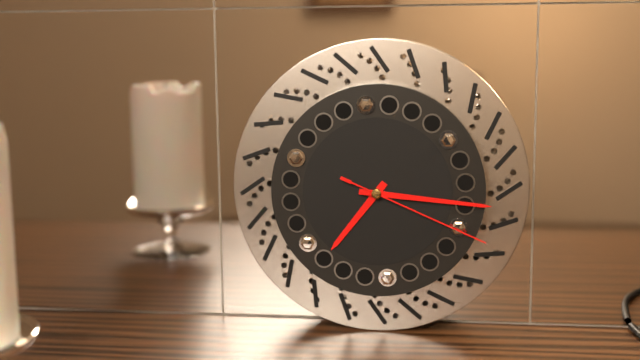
7:16:19
